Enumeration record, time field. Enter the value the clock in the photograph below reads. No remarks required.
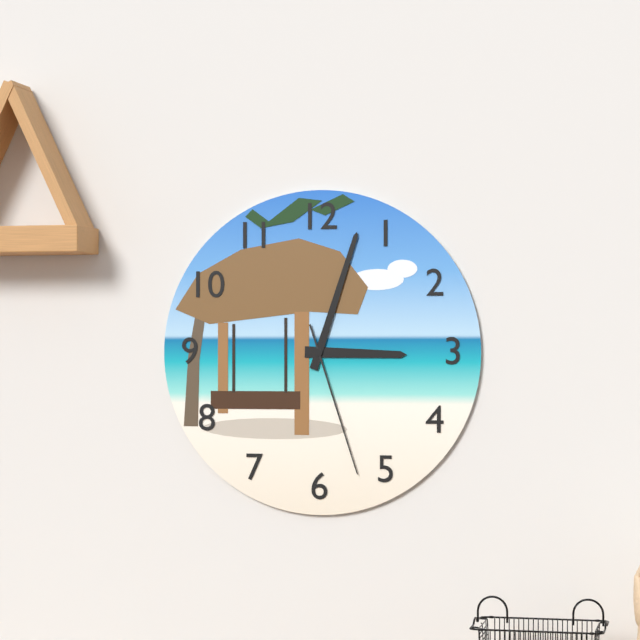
3:03:27
